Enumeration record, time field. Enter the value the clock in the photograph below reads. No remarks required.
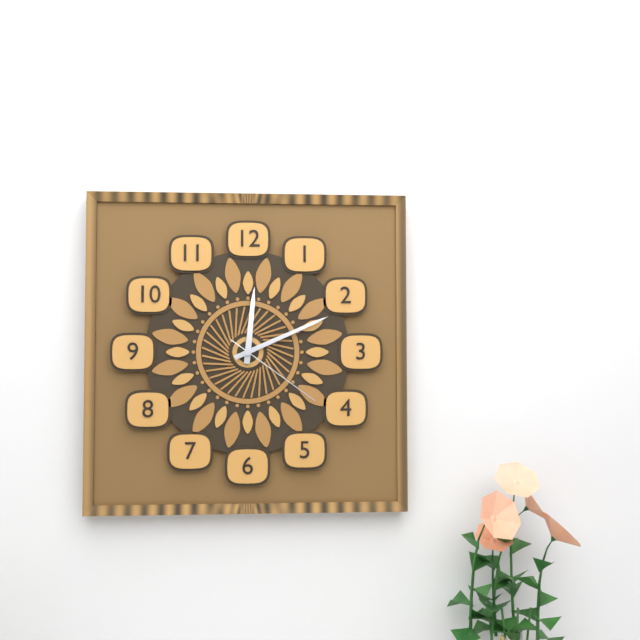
12:11:21
